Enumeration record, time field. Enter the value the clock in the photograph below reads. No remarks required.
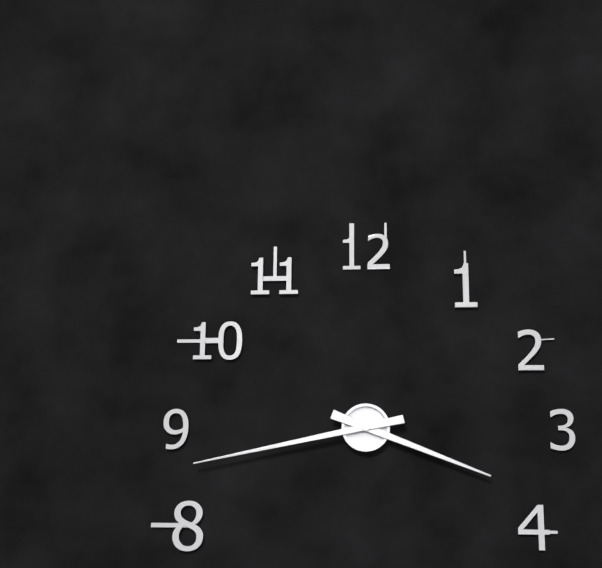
3:43
